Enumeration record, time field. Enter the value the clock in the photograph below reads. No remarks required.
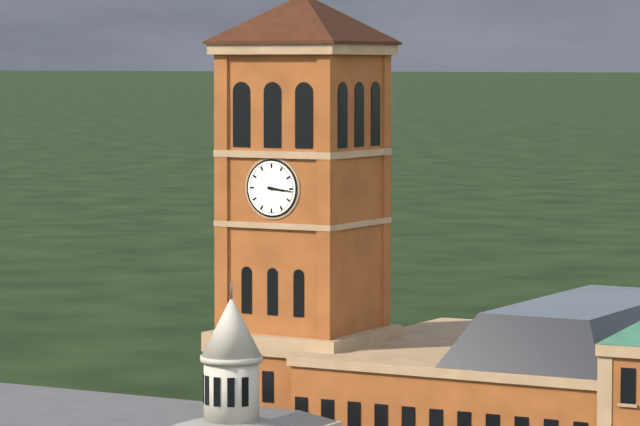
3:16
